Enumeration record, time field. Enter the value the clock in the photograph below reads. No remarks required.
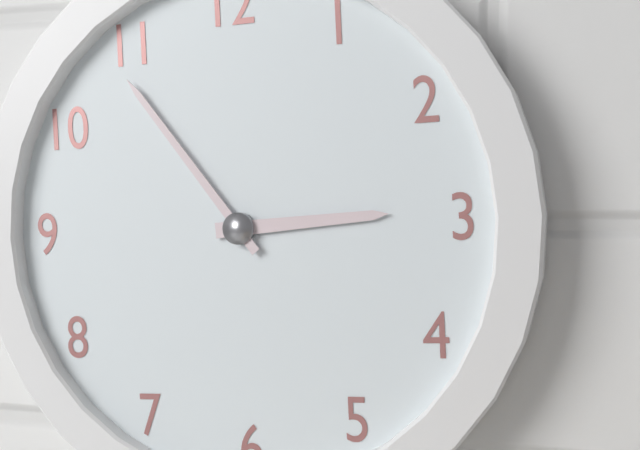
2:54
